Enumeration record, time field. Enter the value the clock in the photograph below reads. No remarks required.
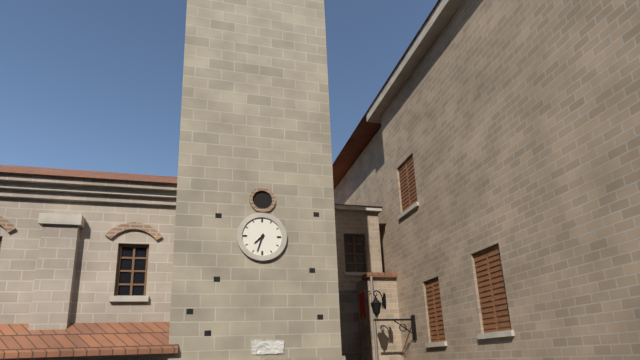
7:33
